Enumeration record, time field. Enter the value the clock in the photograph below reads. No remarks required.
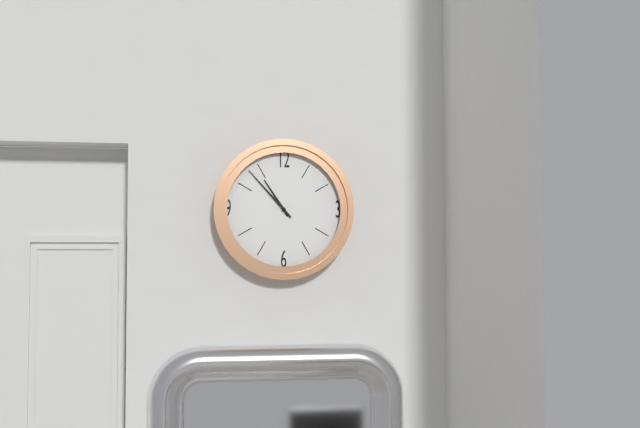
10:53
